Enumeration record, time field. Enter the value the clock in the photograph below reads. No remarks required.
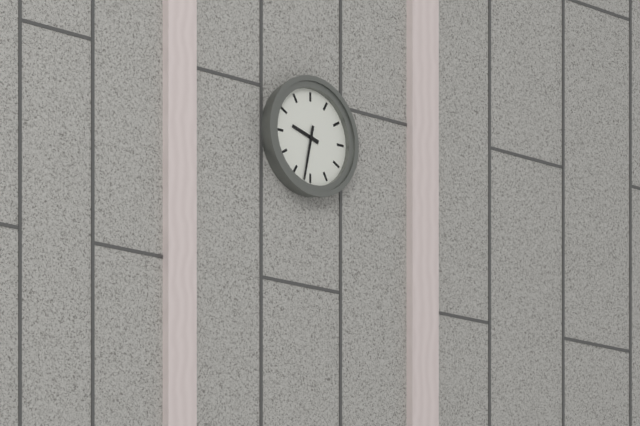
9:32
